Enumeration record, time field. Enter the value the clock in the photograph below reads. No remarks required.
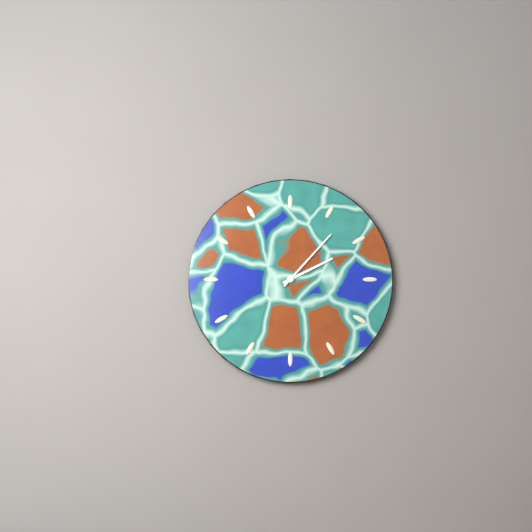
2:07
